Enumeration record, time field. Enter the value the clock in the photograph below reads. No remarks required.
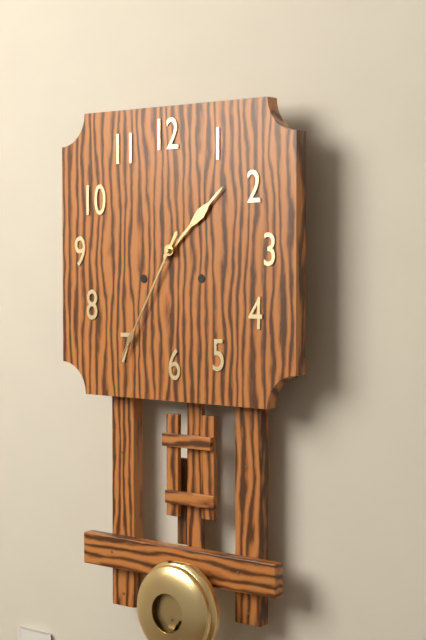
1:35
